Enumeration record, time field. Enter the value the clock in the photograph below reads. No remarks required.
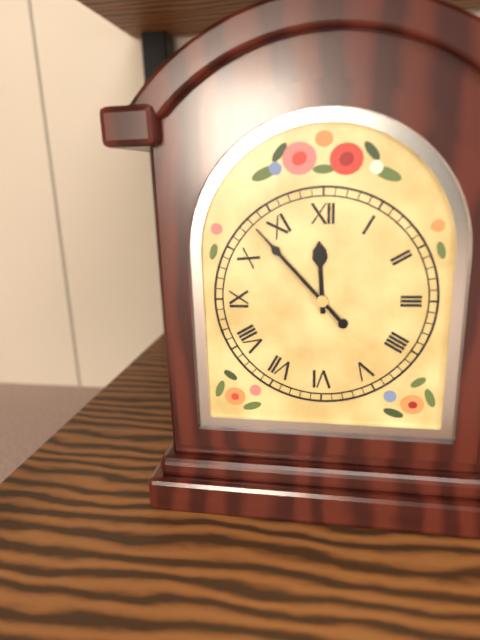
11:53
